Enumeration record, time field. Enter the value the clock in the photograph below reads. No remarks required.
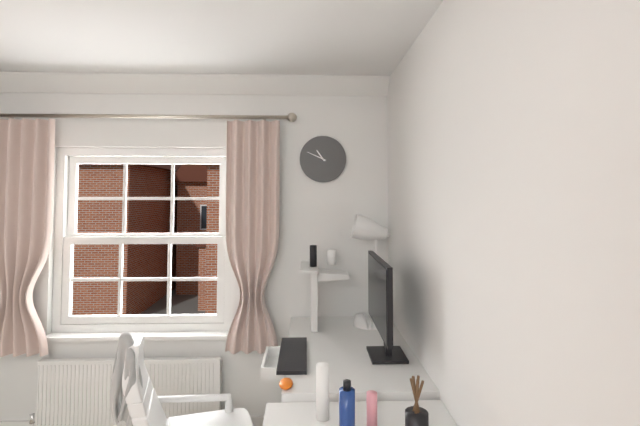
10:49
